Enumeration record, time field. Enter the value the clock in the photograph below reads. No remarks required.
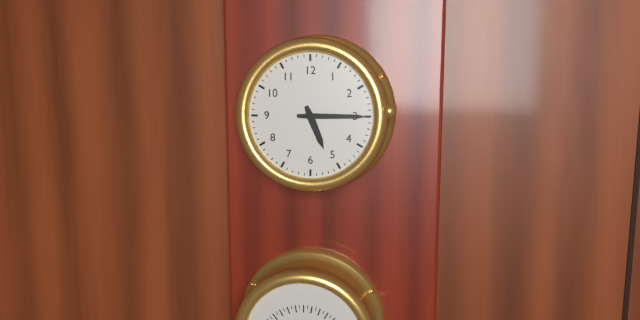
5:15
